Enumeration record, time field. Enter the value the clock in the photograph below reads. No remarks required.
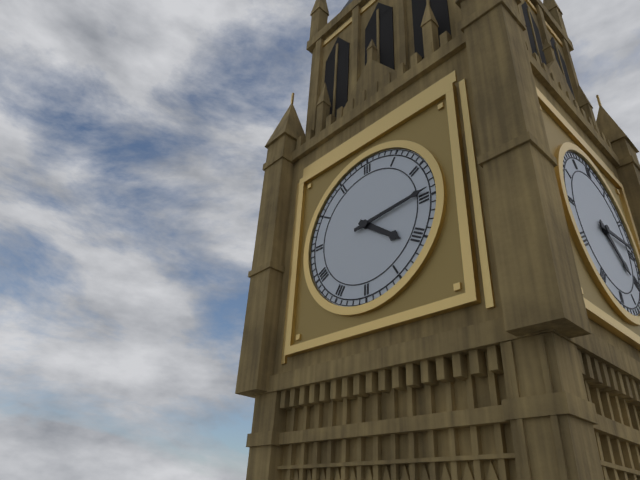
4:14
